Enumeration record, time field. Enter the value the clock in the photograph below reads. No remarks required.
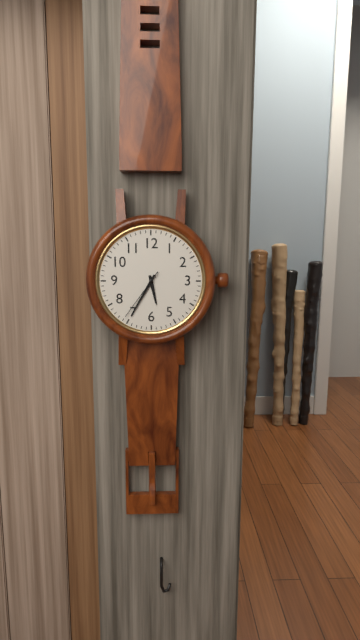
5:35:36
